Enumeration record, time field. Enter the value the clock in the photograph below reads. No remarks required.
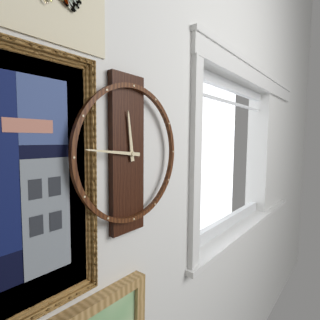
11:46
